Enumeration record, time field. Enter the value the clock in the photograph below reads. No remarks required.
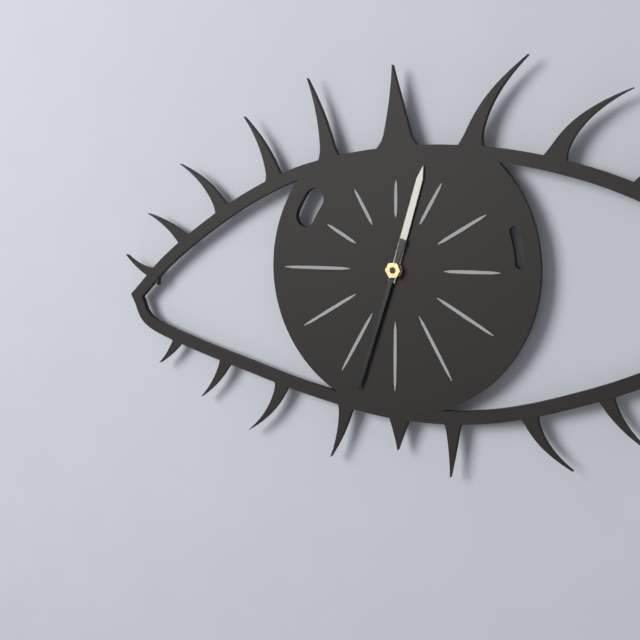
12:33
